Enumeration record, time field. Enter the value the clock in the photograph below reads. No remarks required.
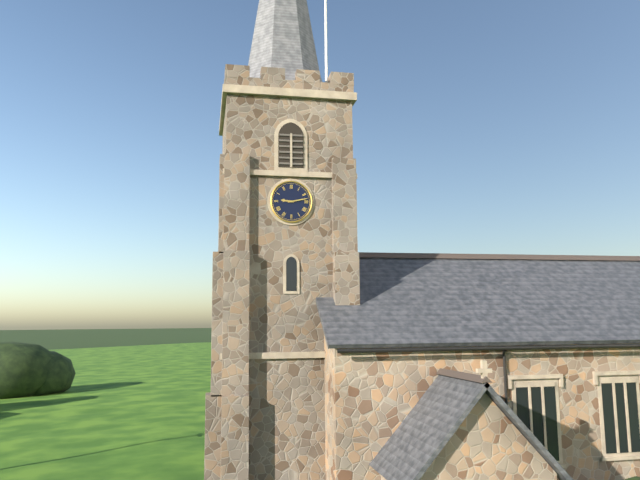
9:13
